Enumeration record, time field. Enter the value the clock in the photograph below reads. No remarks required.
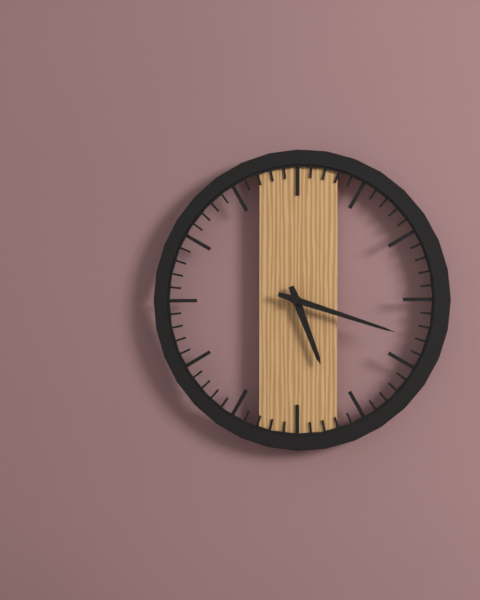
5:18
